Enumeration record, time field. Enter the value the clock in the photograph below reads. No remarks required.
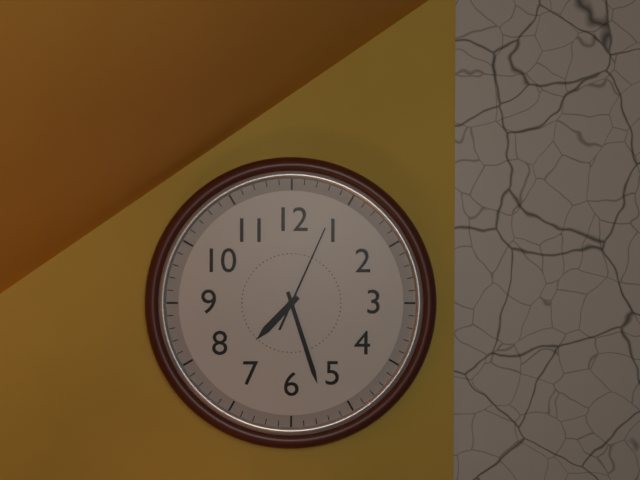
7:27:04
